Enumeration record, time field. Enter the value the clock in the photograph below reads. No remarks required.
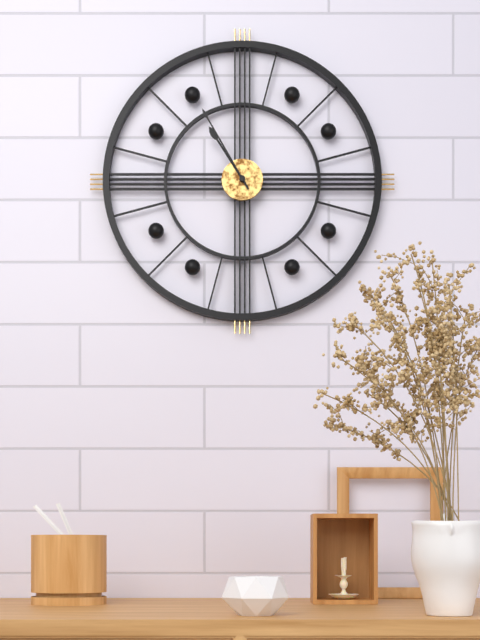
10:55
